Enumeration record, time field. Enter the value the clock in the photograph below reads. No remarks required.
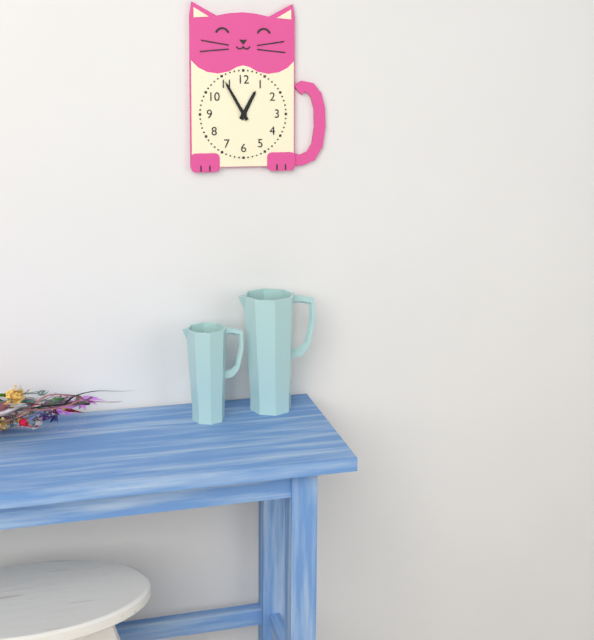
12:55
